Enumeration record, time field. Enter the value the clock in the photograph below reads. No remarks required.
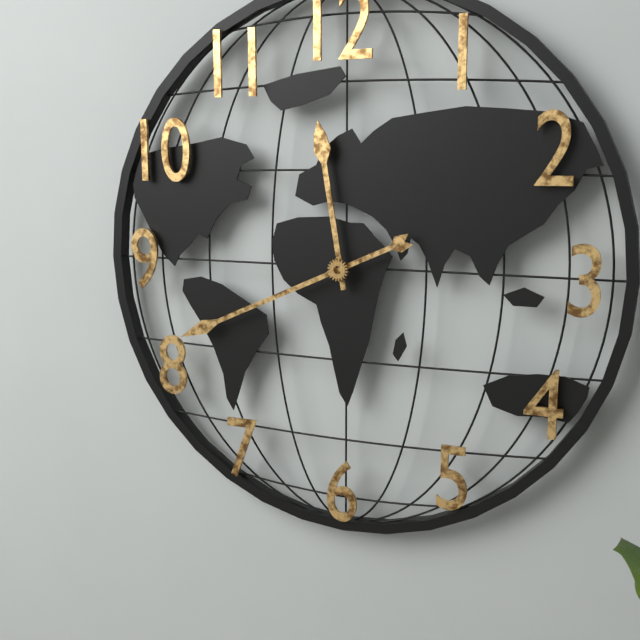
11:41
